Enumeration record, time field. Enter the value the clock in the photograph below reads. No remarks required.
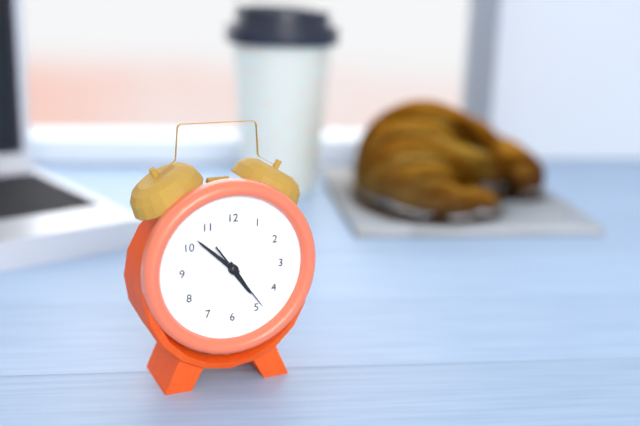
4:52:24
